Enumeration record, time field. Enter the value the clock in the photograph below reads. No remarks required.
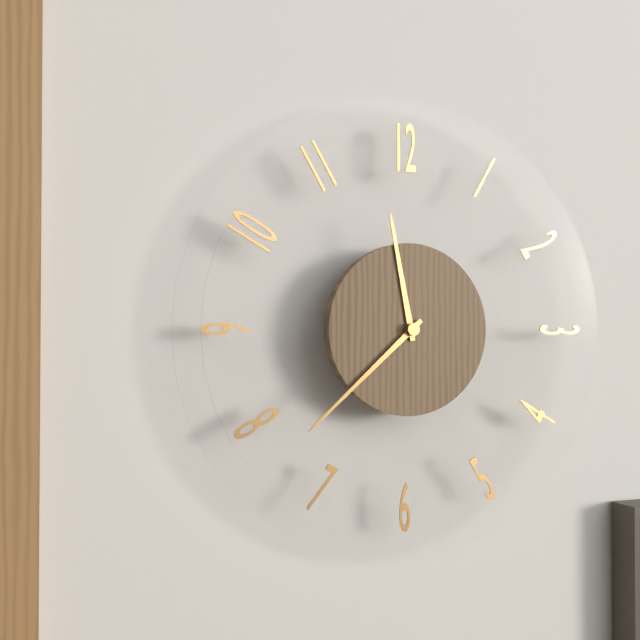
11:38
